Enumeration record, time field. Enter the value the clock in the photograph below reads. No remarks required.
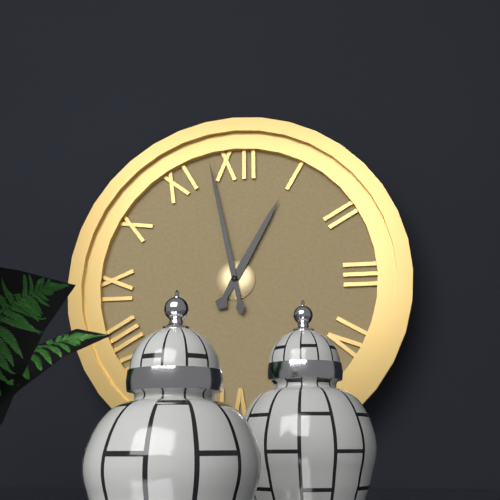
12:58
